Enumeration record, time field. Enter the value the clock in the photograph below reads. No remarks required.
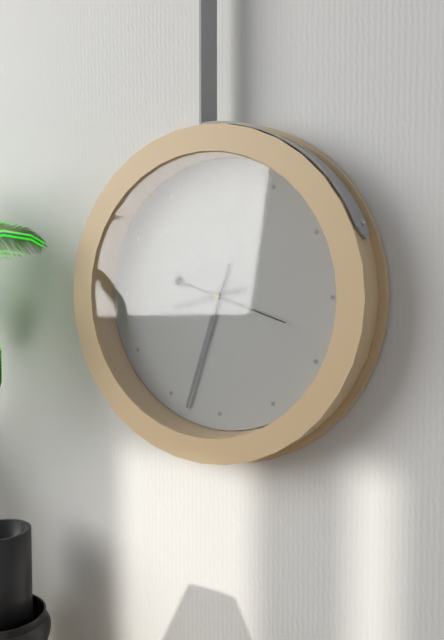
8:33:18
